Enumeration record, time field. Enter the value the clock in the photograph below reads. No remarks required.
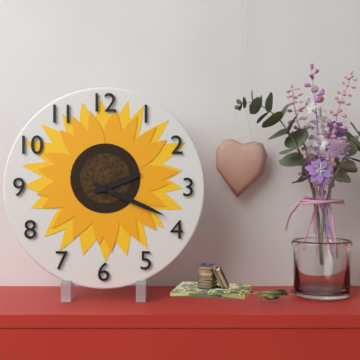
2:19
